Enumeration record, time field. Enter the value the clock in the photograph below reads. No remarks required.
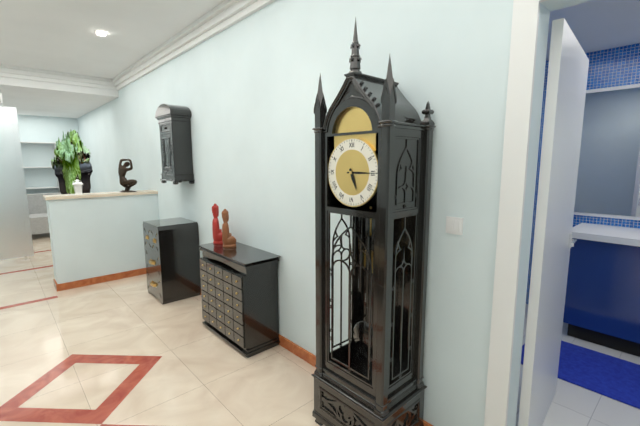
5:15
